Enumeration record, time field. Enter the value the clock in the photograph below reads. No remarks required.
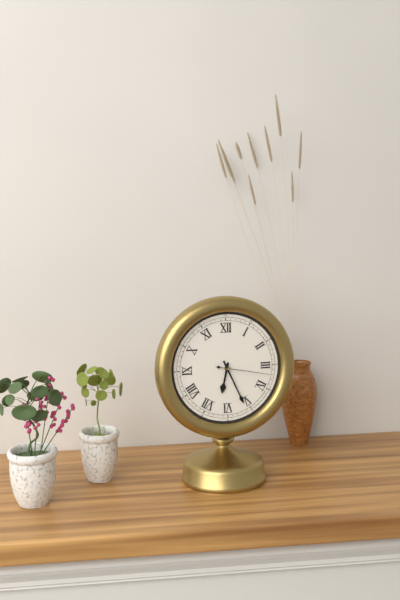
6:26:17
